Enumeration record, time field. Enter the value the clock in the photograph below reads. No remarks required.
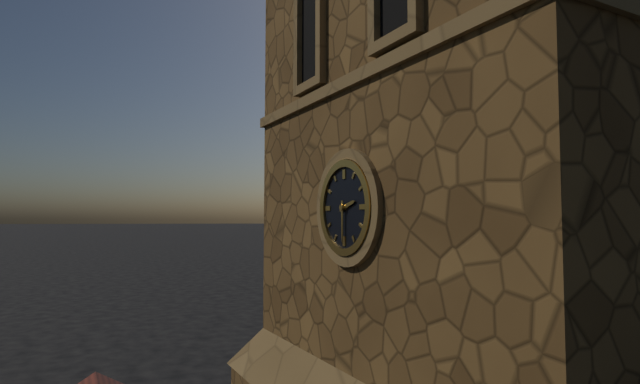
2:30
